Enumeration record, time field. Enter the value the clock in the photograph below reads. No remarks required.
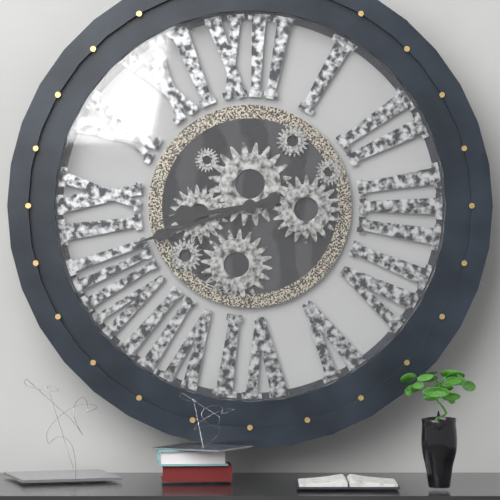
8:42
